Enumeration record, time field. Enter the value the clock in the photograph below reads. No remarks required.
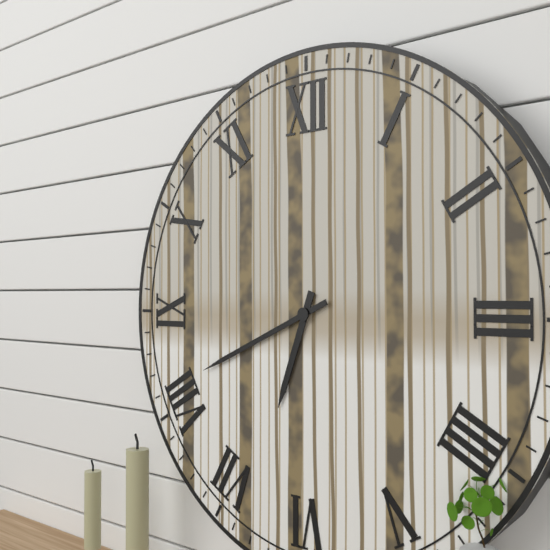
6:41
